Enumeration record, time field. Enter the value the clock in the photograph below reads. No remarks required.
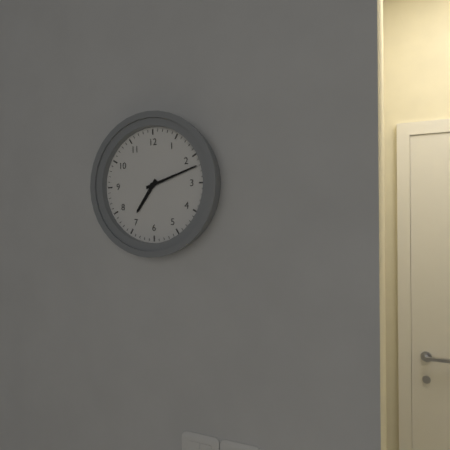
7:12
